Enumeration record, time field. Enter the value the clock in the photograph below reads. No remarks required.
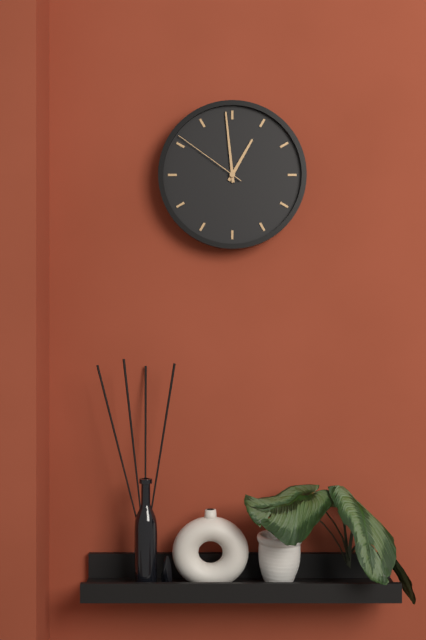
12:59:51
